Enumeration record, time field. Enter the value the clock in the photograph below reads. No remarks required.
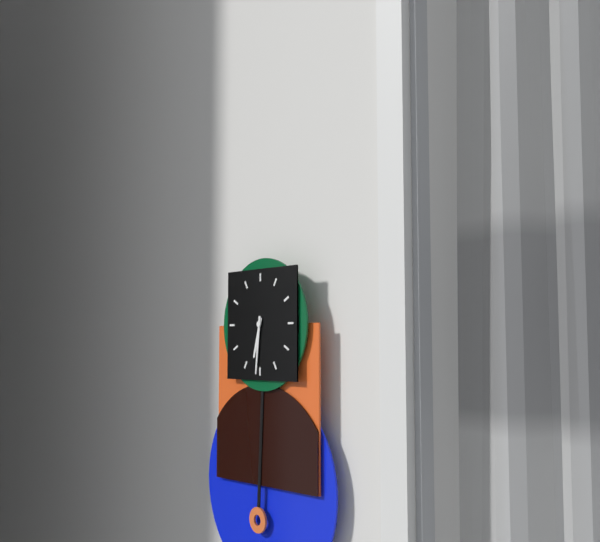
6:31
